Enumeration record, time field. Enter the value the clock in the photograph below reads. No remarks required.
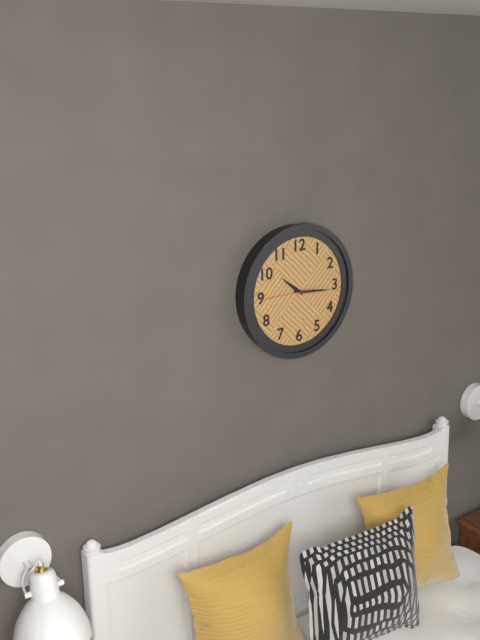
10:16:45
